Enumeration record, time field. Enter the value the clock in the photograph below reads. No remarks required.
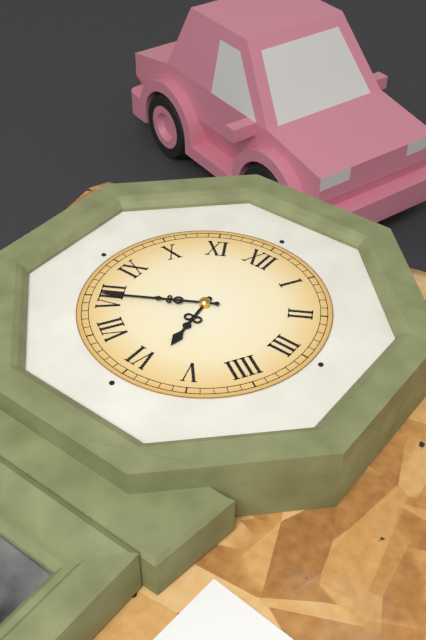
5:40
